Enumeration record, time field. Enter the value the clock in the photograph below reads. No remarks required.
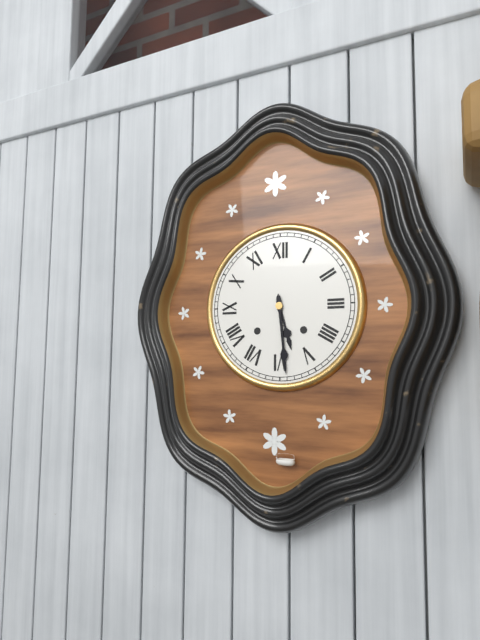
5:29
